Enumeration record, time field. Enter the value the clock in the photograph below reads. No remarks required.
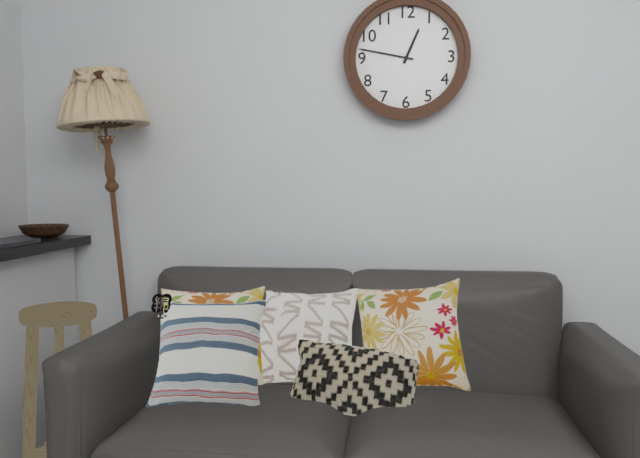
12:47
